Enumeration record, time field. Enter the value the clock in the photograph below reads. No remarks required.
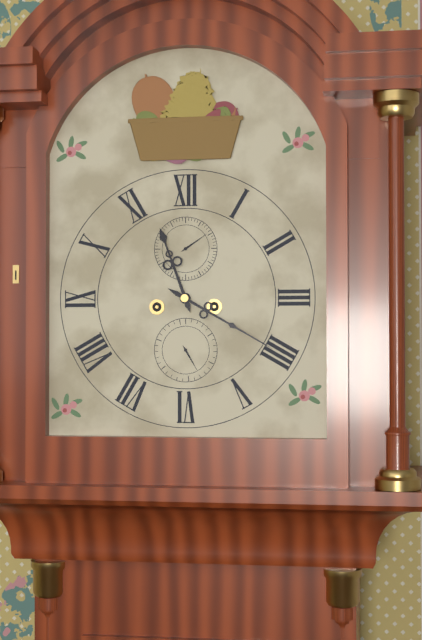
11:20
